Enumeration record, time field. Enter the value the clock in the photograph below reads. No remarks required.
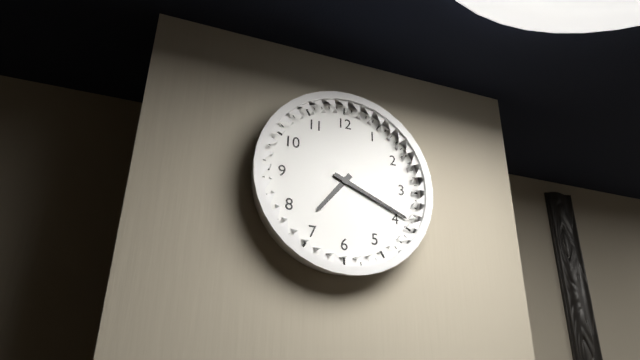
7:19
